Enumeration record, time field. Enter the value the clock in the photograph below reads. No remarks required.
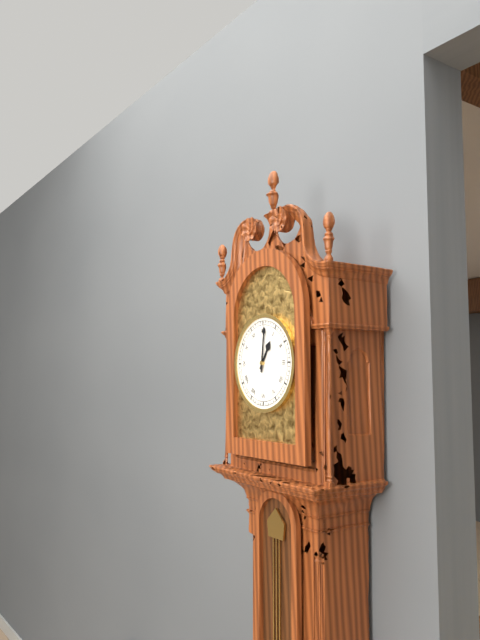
1:01
